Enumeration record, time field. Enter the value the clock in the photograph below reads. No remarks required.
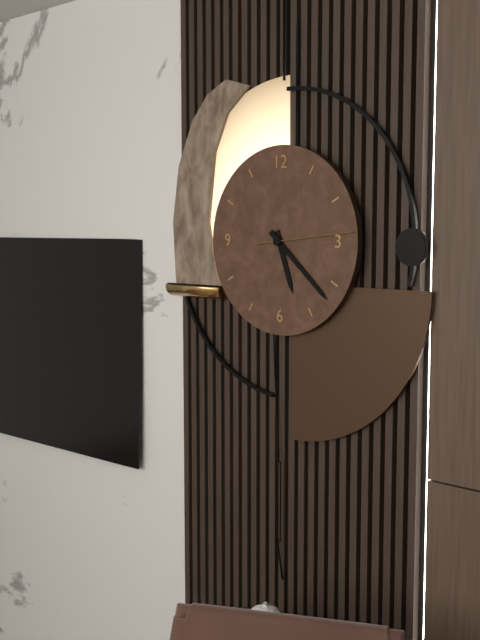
5:22:14
